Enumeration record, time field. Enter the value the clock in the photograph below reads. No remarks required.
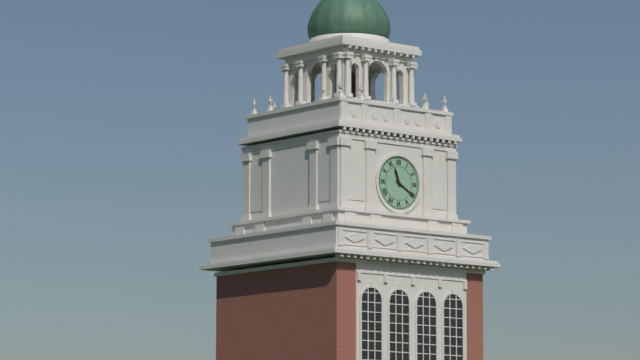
11:20
